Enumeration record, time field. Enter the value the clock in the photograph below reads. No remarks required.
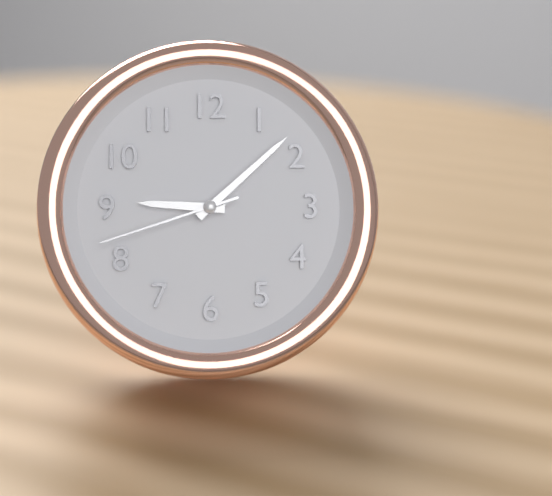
9:08:42
